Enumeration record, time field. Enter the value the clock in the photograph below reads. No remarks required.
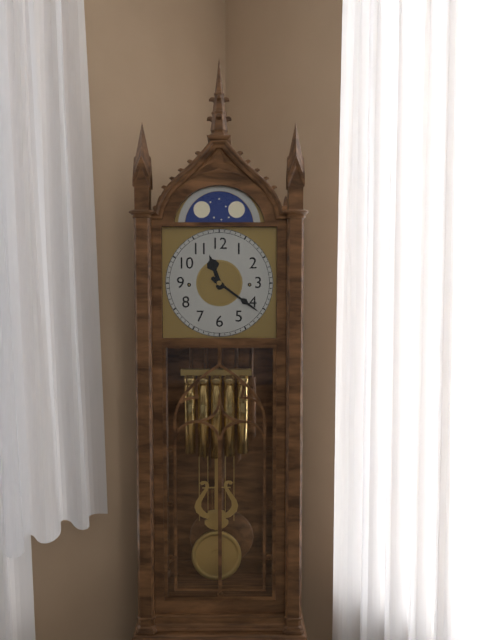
11:21
